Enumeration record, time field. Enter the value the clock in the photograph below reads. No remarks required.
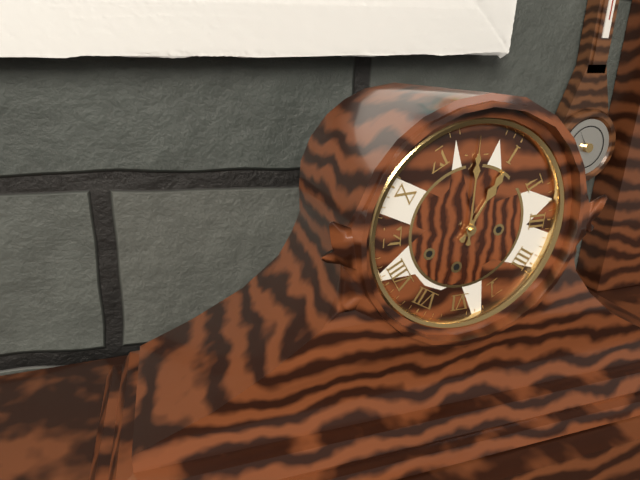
1:00
